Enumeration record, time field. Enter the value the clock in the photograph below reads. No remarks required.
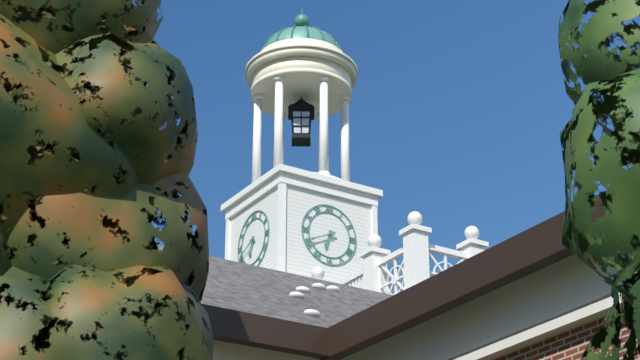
6:41
